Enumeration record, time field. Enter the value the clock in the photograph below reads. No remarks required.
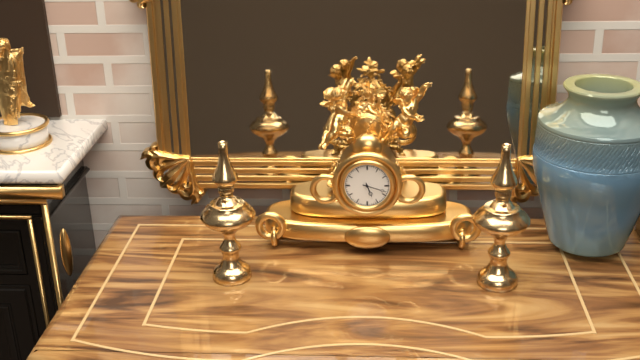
5:18
